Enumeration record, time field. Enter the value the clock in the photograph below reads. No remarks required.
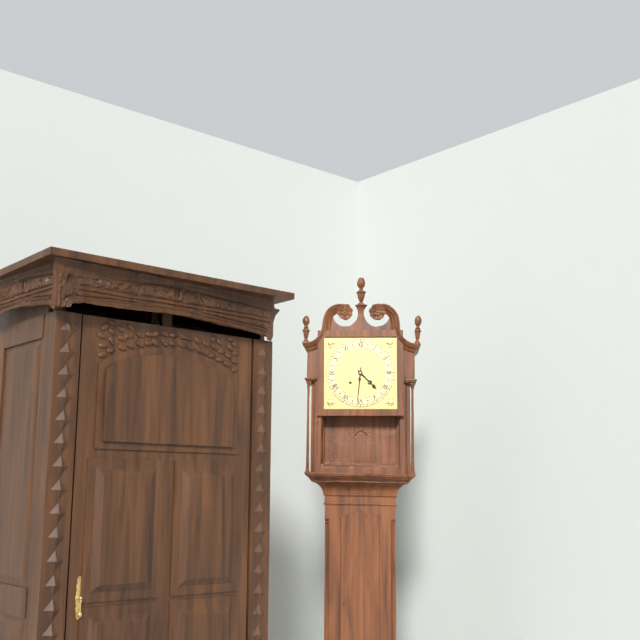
4:31
